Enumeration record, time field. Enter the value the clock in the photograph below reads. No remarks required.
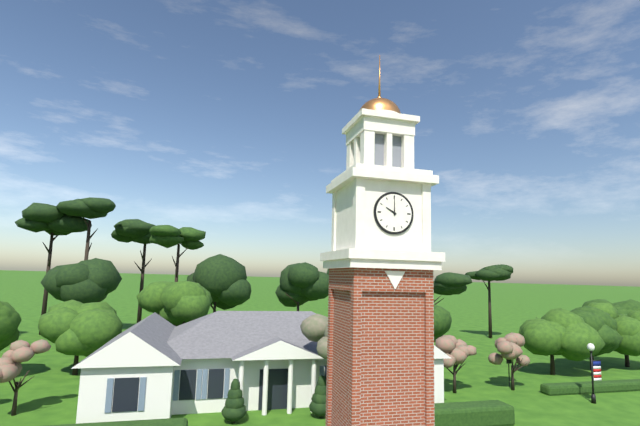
10:00
